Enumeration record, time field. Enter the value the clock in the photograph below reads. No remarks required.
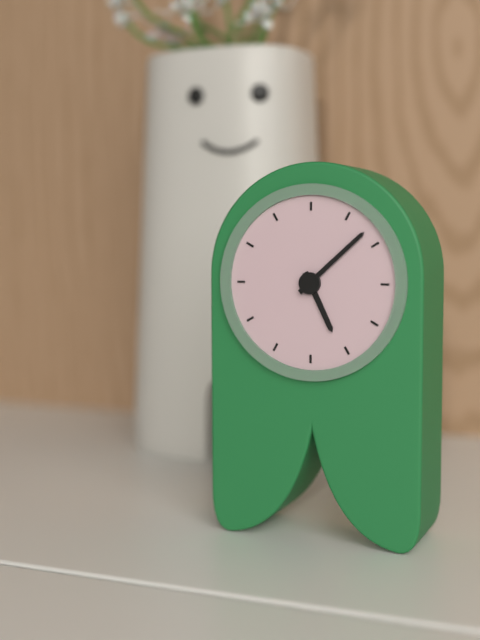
5:08
